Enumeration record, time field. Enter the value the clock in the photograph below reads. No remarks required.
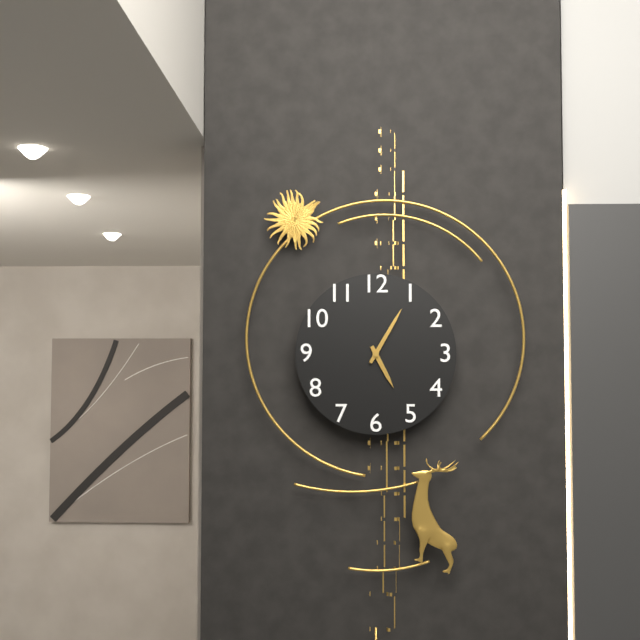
5:05
